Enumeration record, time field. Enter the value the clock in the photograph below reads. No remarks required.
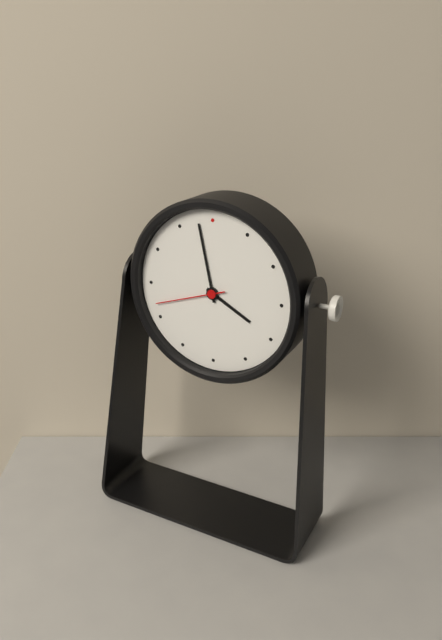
3:58:42
